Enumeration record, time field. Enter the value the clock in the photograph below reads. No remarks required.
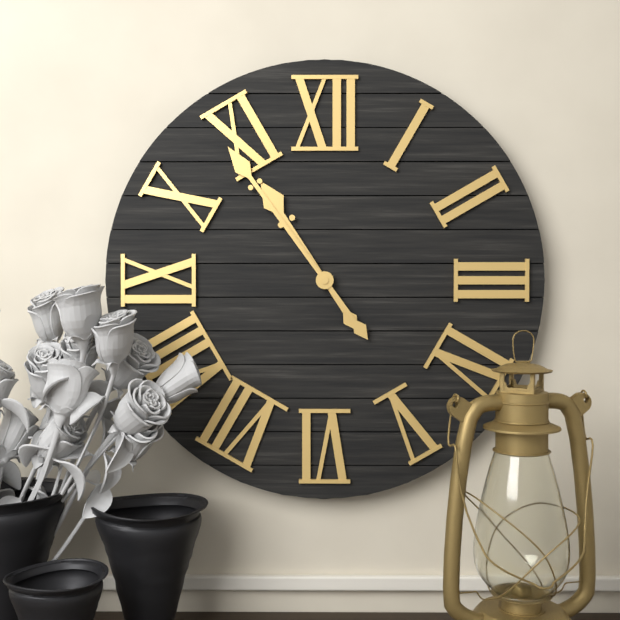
10:54
